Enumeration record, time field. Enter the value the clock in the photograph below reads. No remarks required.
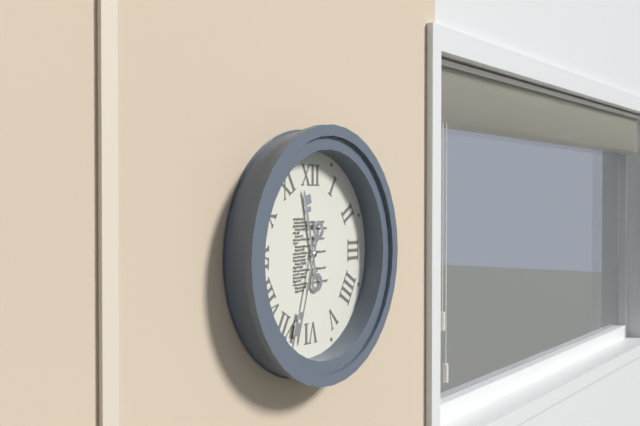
11:33
